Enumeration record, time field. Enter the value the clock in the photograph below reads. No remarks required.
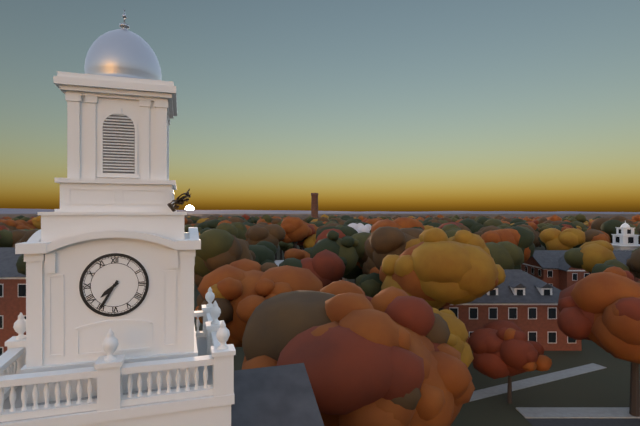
7:35
